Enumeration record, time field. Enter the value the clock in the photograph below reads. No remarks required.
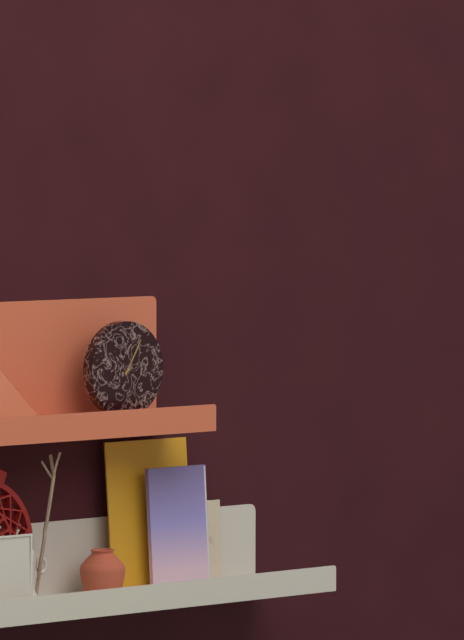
1:05
